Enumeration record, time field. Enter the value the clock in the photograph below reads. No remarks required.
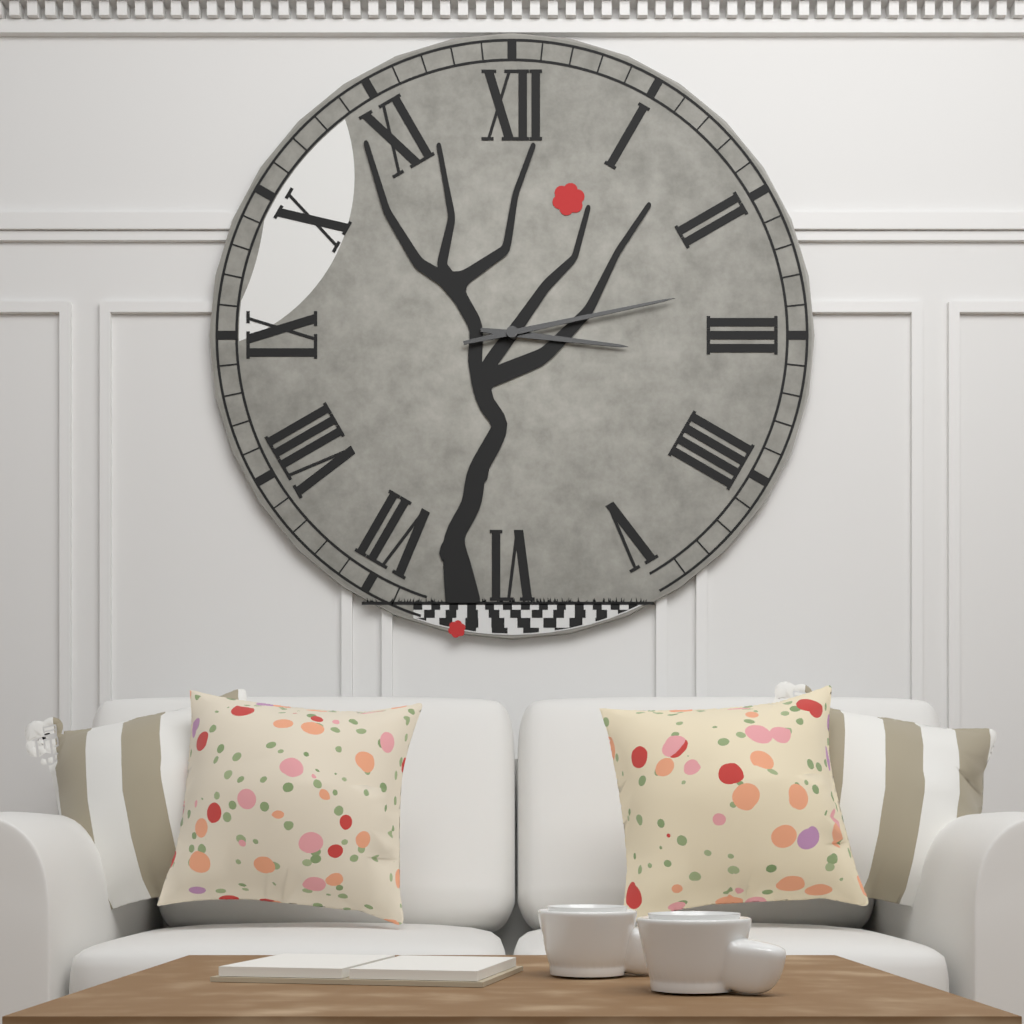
3:13
